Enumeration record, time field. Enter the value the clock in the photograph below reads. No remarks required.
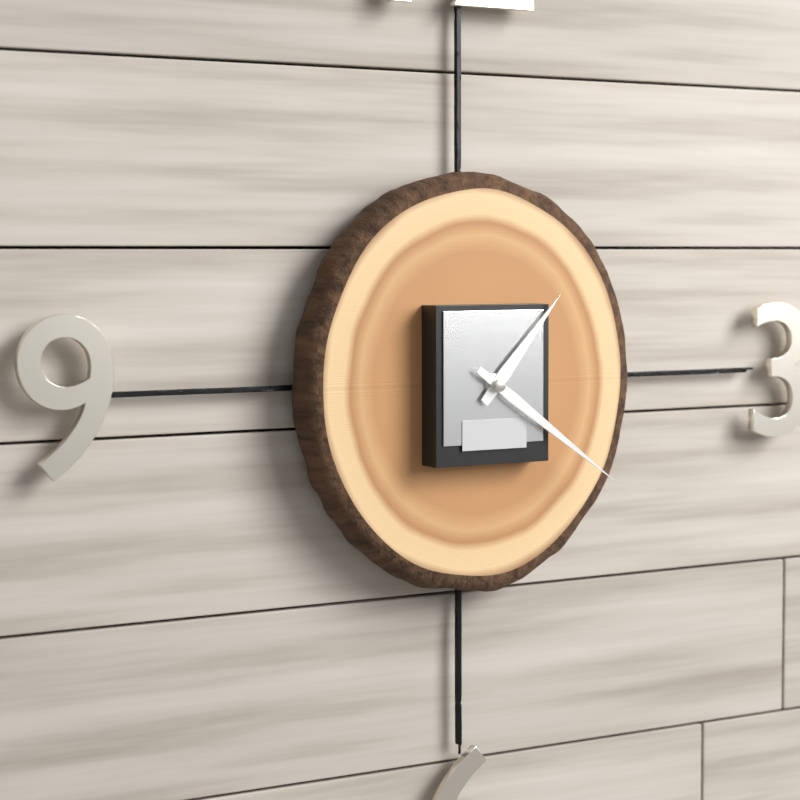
1:21
